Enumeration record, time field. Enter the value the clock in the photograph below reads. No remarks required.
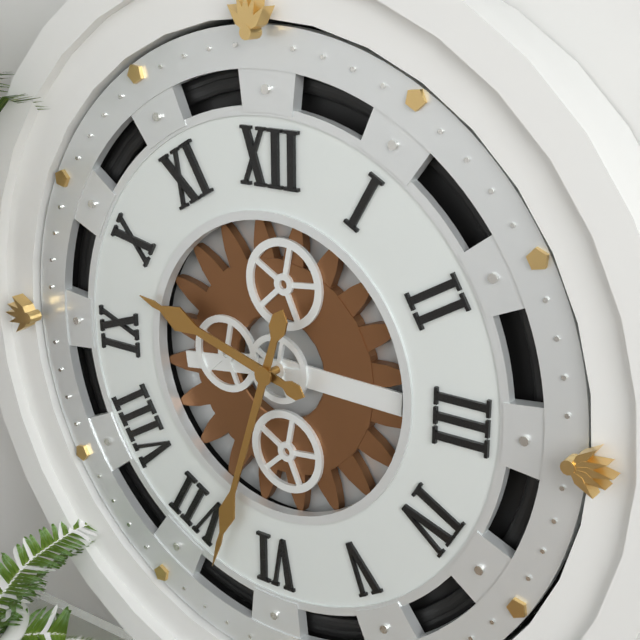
9:33
